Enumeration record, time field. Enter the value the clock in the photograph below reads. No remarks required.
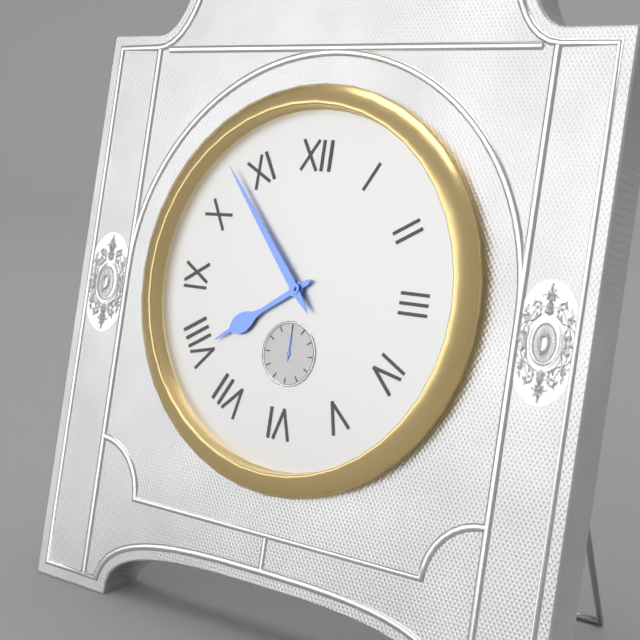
7:53
